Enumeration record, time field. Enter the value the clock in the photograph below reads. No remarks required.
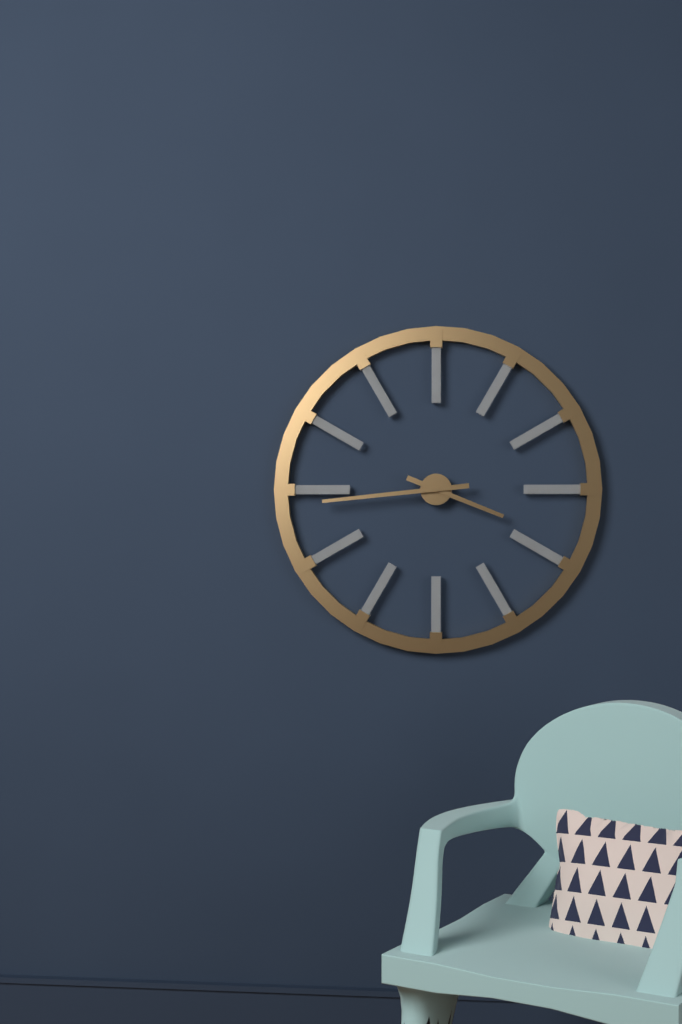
3:44
